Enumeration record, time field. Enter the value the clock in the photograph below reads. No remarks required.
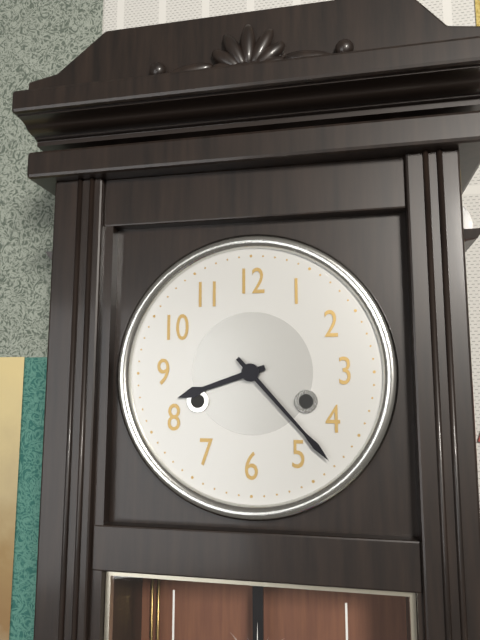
8:23
